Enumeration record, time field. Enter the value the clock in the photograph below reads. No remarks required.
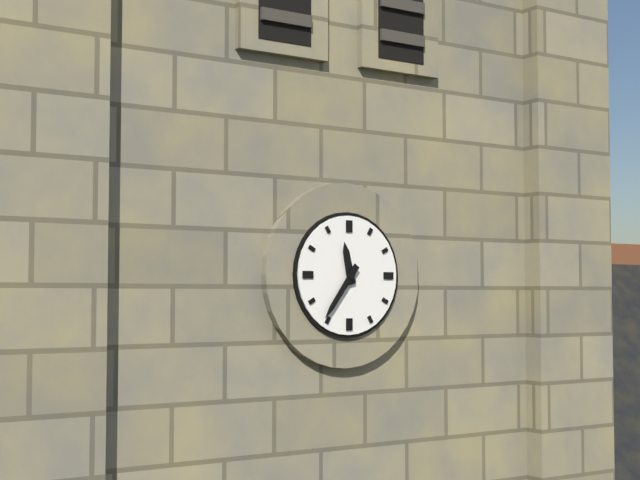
11:36
